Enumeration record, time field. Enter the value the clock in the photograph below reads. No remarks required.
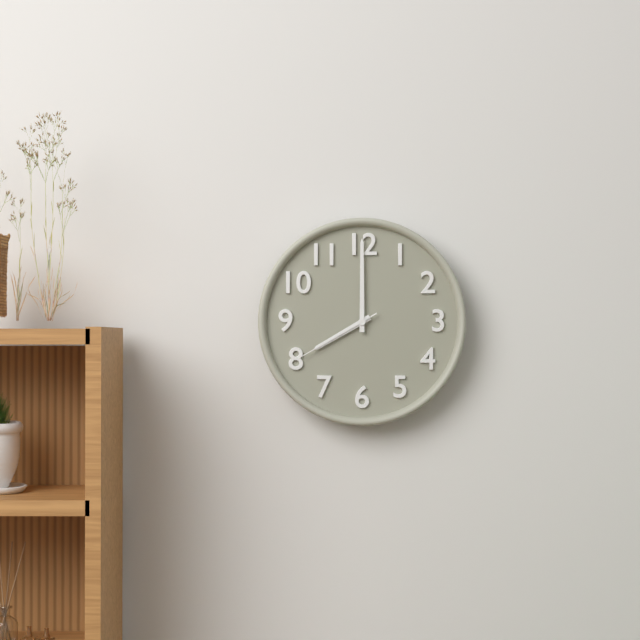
8:00:40
